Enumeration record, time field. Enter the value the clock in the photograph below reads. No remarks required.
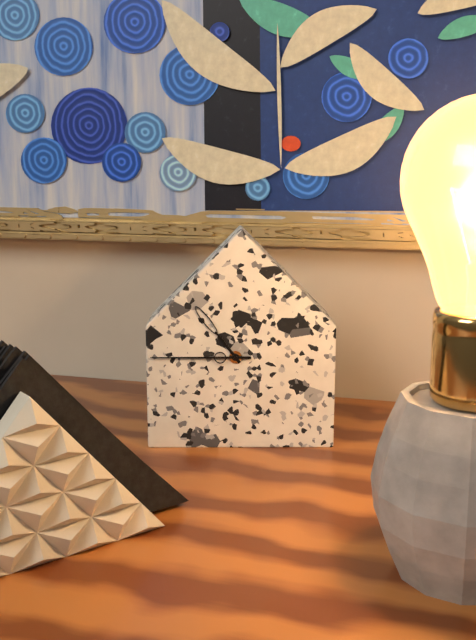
10:45
